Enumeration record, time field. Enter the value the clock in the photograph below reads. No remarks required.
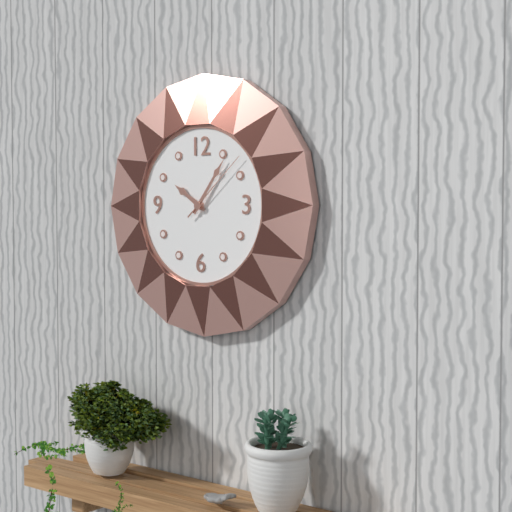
10:06:08
